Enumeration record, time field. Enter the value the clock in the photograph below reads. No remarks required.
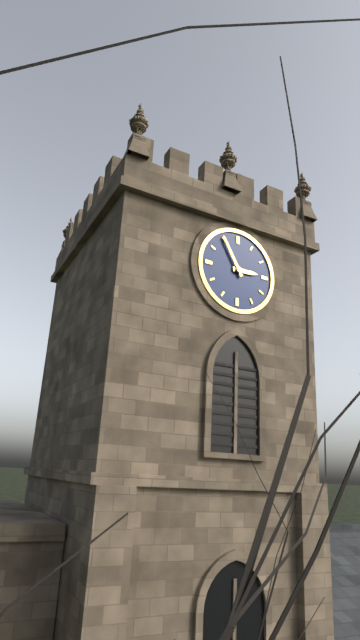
2:55
